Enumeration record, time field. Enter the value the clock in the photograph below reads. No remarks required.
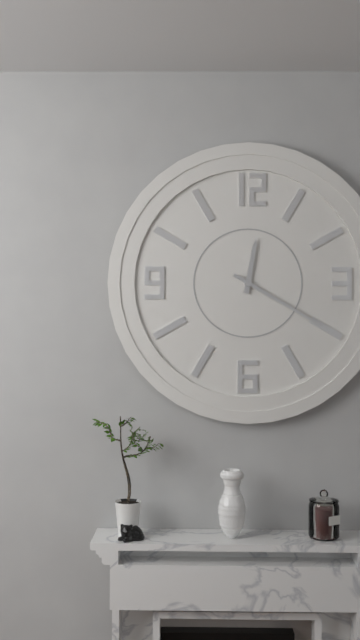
12:20
